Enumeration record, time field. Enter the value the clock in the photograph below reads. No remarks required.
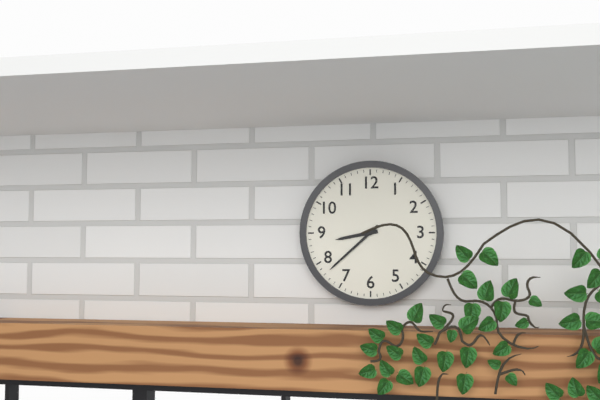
8:38
